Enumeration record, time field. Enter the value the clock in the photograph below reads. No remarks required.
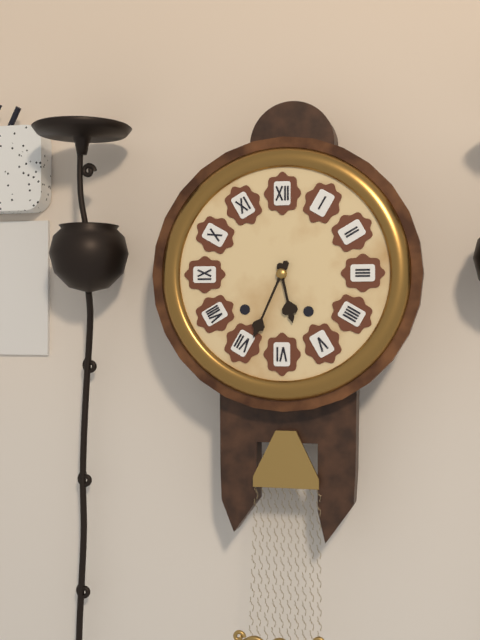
5:34
